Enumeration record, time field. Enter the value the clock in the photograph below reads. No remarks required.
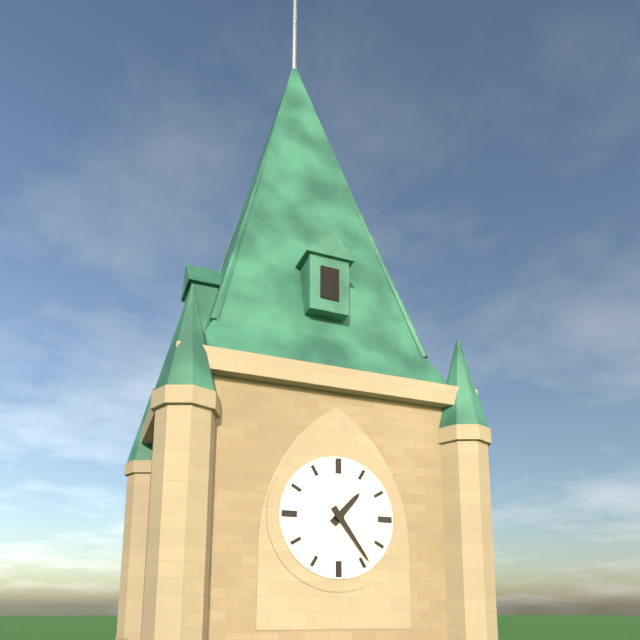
1:24
